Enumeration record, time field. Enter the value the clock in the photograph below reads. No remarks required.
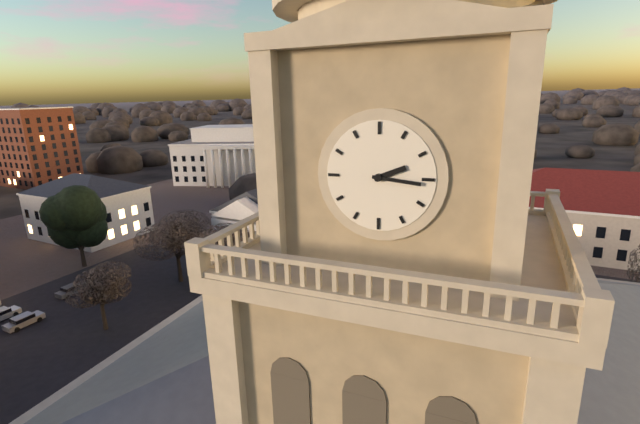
2:16
